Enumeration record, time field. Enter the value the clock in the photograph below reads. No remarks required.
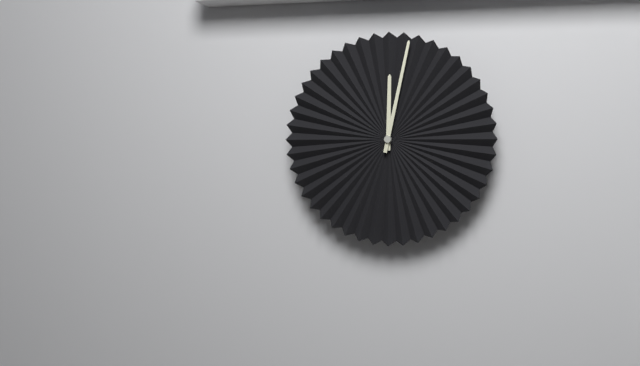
12:02
